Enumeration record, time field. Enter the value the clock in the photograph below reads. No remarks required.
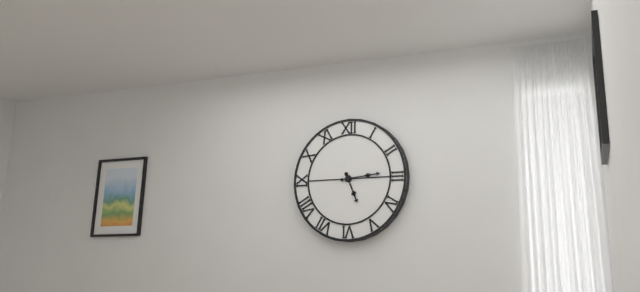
5:14
